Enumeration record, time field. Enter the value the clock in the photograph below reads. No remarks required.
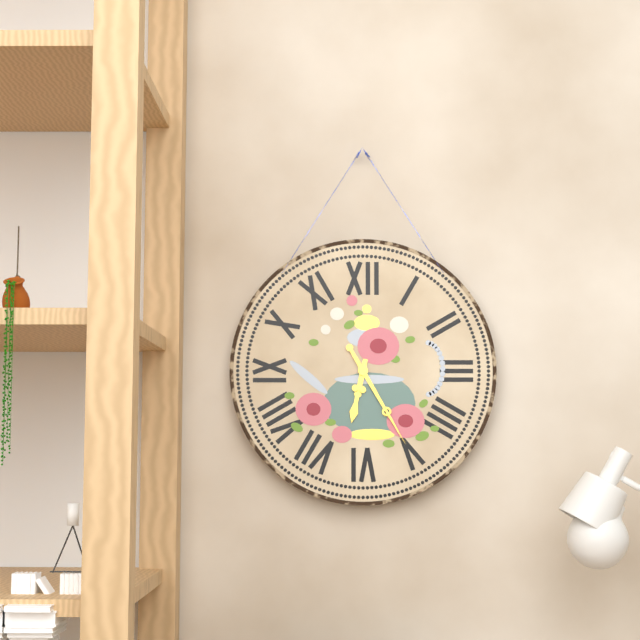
6:25
